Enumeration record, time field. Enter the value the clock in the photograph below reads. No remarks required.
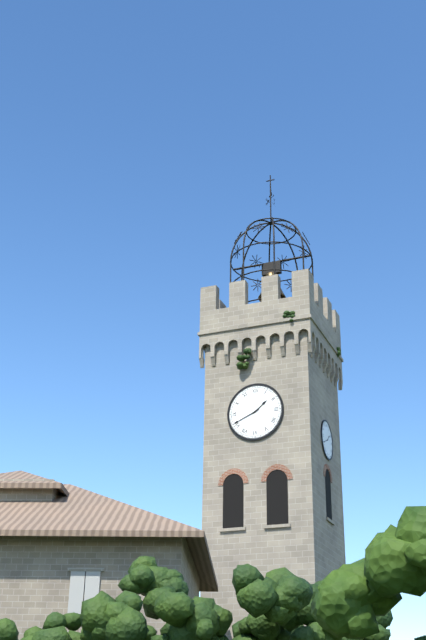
1:41
